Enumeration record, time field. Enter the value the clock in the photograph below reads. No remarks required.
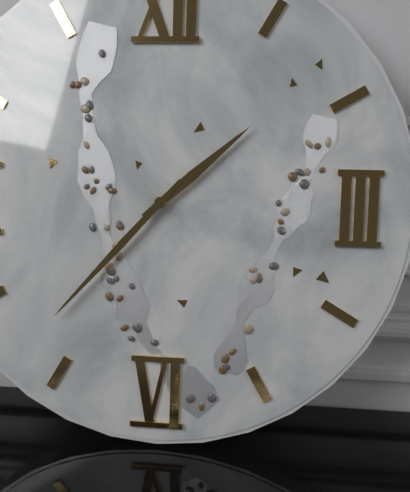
1:37
